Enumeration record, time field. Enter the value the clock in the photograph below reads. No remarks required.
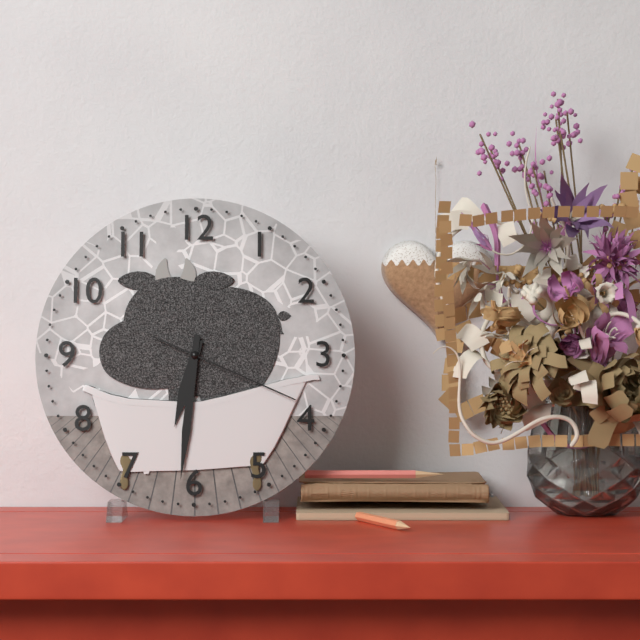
6:31:19
